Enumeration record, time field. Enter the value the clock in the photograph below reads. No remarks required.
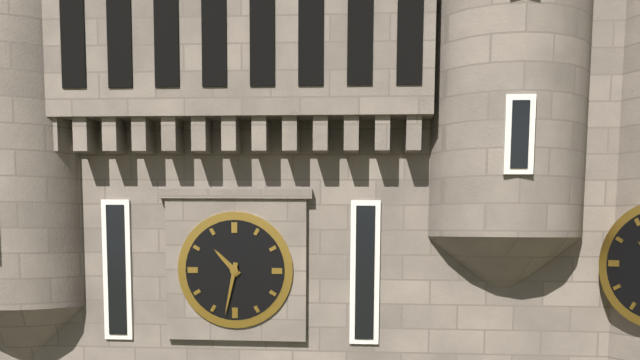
10:32
